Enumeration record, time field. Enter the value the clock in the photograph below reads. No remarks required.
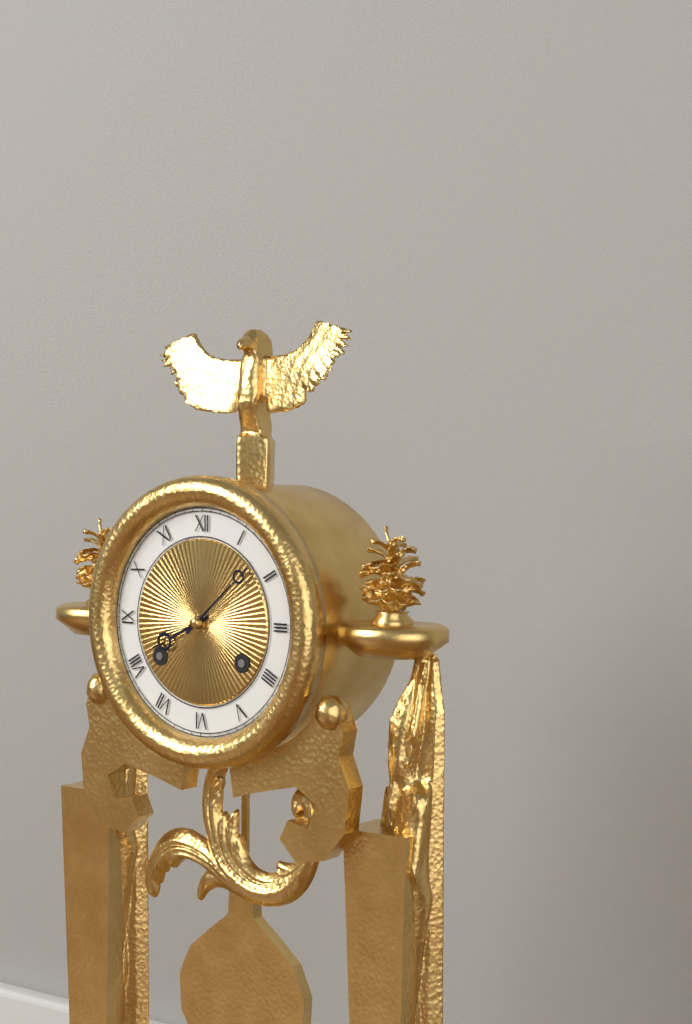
8:08
